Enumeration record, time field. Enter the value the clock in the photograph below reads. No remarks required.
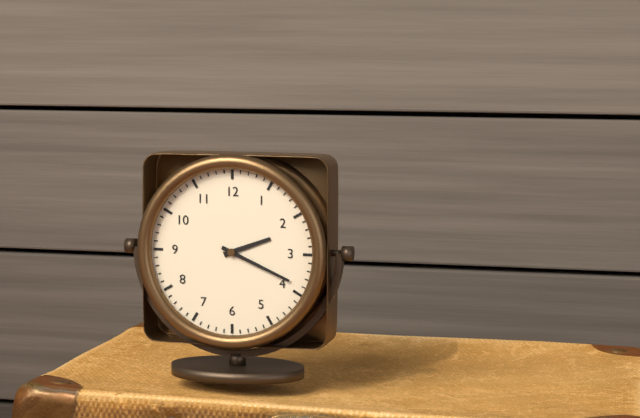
2:19
